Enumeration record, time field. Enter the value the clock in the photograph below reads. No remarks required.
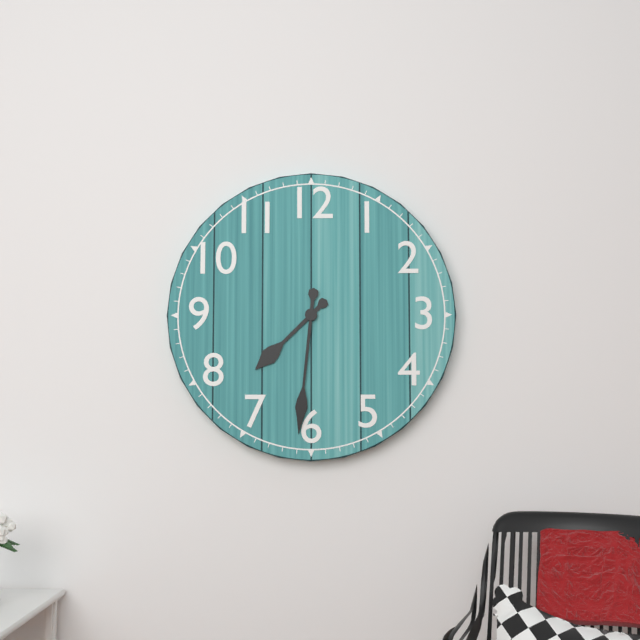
7:31
